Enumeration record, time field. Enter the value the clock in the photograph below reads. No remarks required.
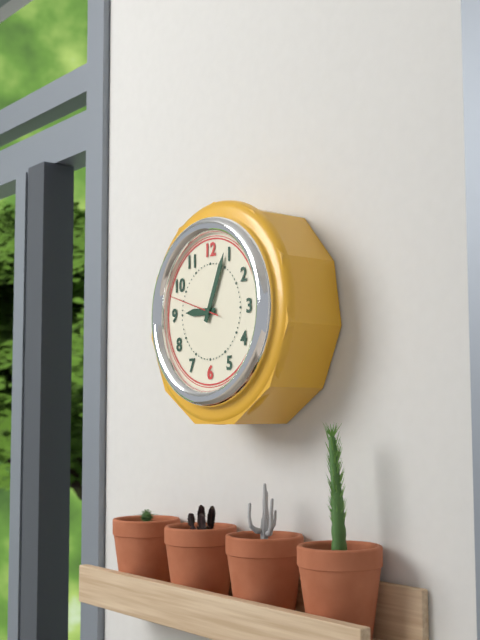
9:04:48
